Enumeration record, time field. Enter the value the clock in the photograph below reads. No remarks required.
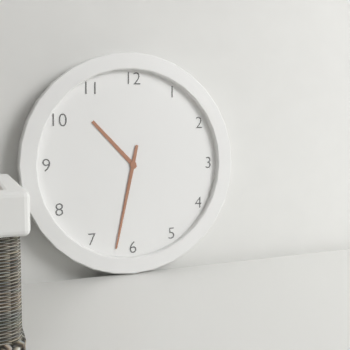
10:32
